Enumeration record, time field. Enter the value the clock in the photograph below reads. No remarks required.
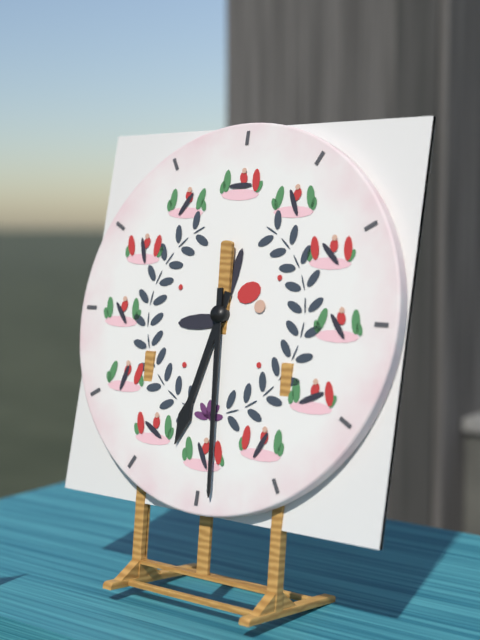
6:29
